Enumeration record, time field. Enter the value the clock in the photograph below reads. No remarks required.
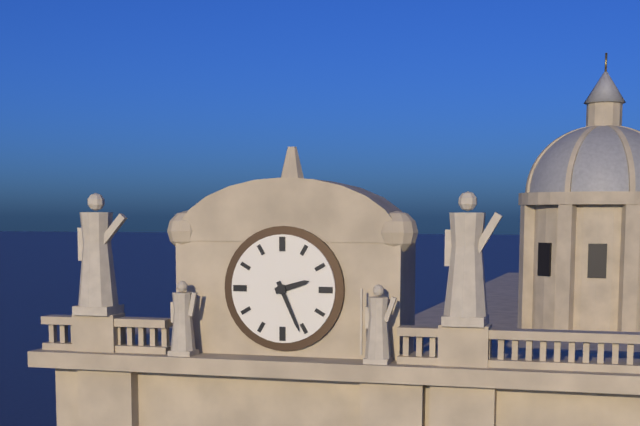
2:26
